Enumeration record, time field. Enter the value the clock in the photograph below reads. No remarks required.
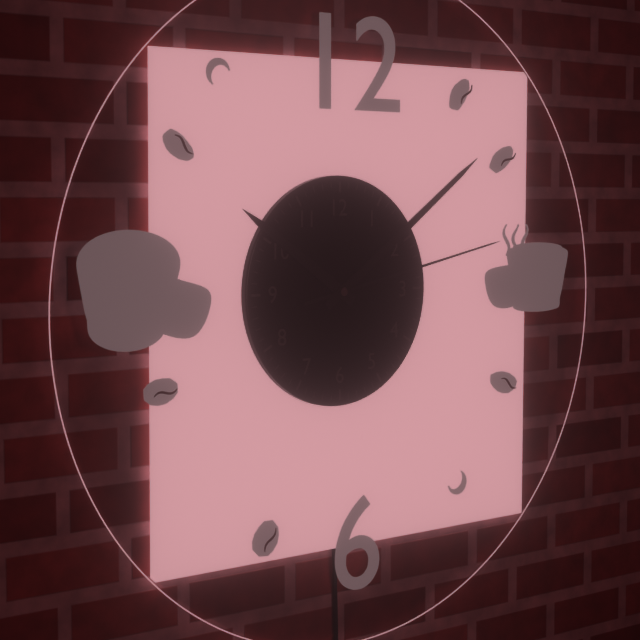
10:09:13
